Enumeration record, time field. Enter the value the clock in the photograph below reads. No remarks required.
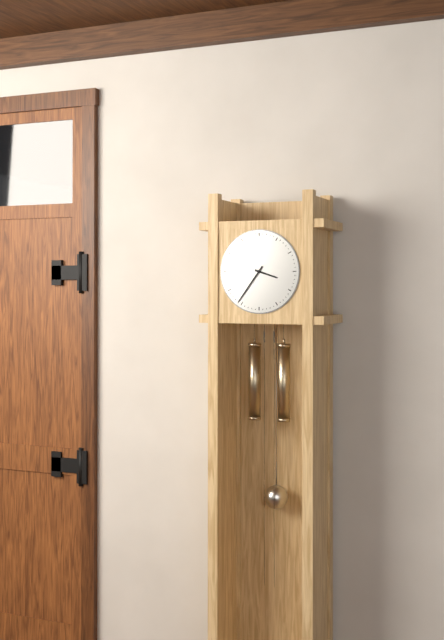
3:36
